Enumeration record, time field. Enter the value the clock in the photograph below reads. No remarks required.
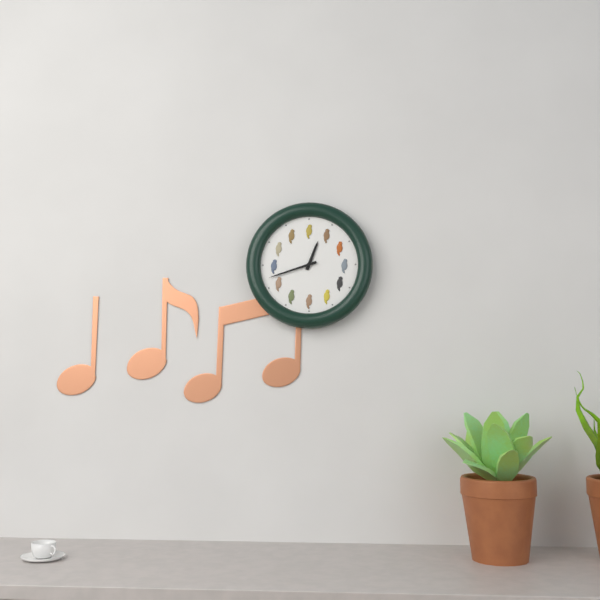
12:42
